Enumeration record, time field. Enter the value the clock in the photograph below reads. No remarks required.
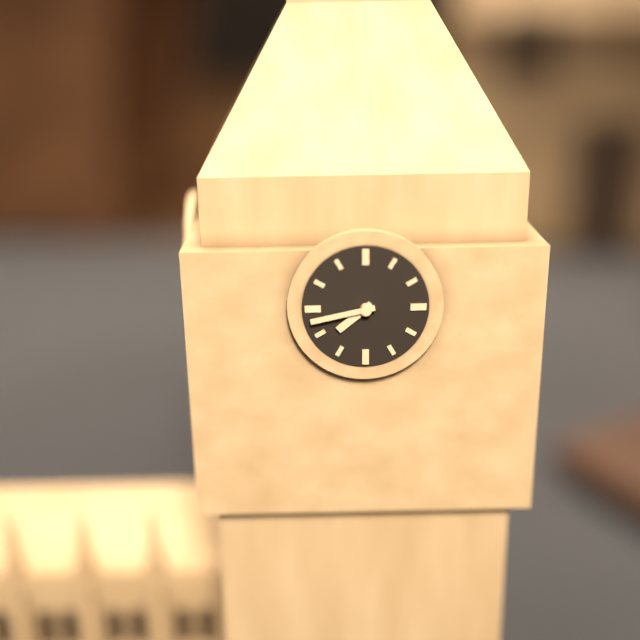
7:43
